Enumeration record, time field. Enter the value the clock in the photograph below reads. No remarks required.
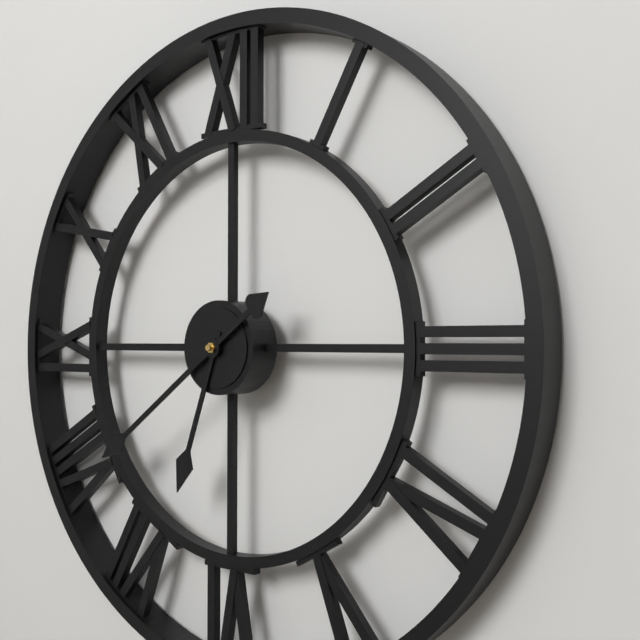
6:39
